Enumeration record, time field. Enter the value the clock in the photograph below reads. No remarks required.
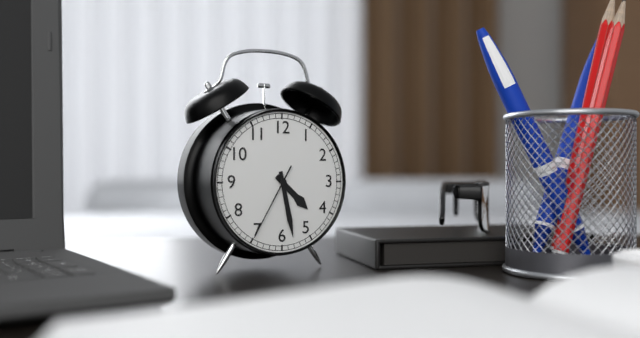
4:28:35
